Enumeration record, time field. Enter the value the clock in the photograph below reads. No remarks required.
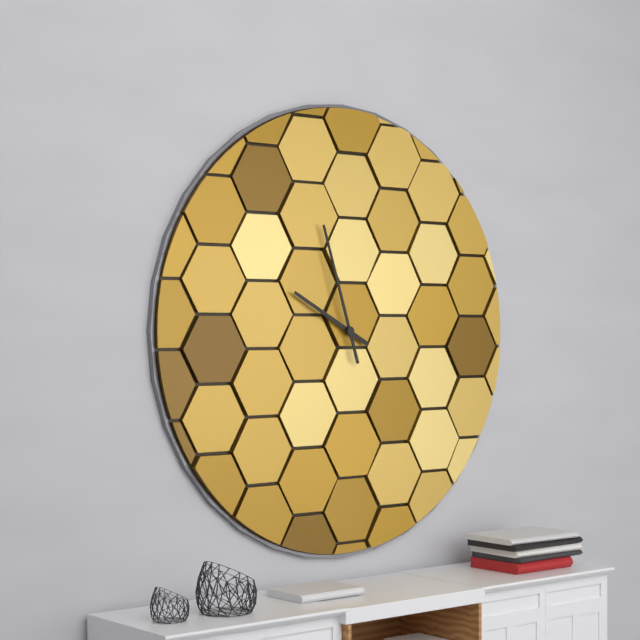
9:57
